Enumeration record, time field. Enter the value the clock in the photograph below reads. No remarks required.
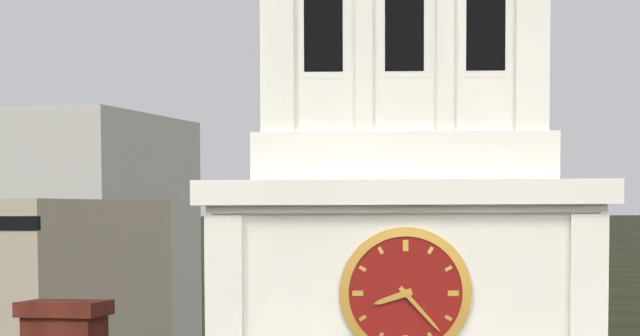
8:23
